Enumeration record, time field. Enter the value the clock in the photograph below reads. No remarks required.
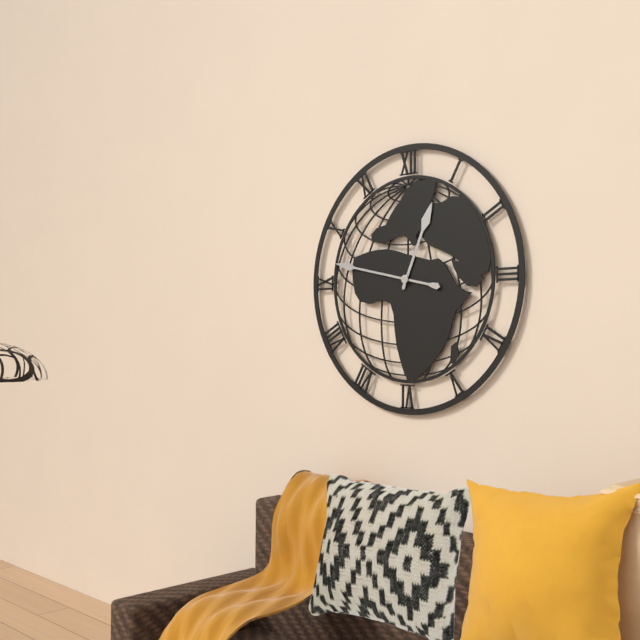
12:47
